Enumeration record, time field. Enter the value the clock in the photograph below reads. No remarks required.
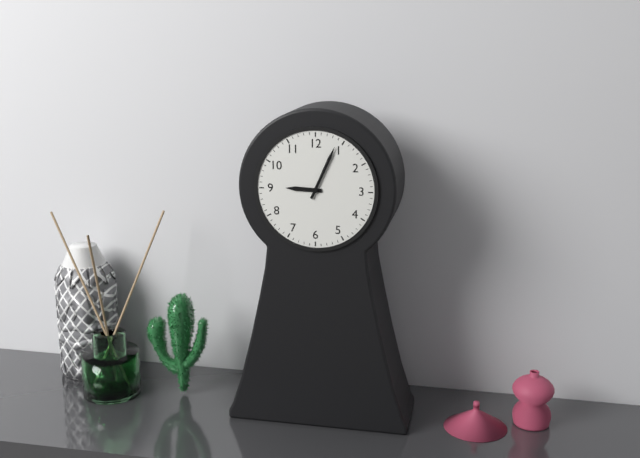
9:04
